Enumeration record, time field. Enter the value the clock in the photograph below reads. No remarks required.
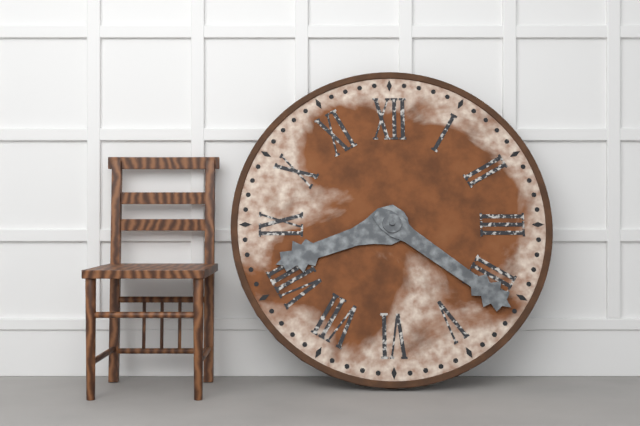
8:21
